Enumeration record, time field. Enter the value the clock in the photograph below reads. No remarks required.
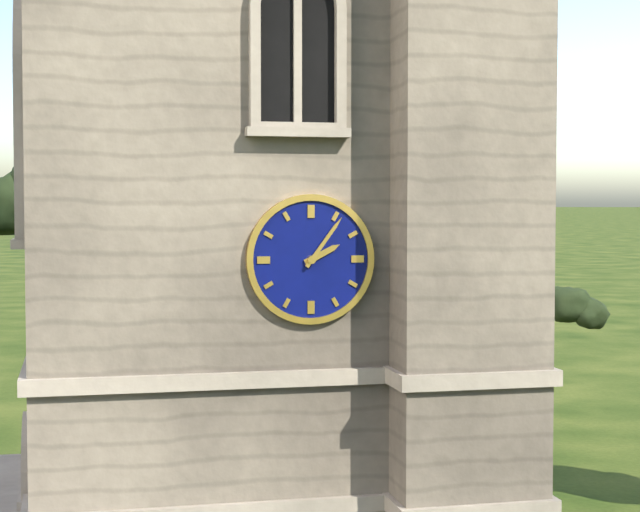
2:06
